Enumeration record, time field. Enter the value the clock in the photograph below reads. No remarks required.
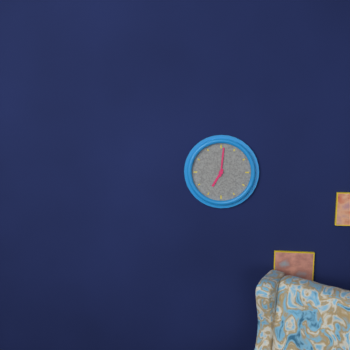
7:01
